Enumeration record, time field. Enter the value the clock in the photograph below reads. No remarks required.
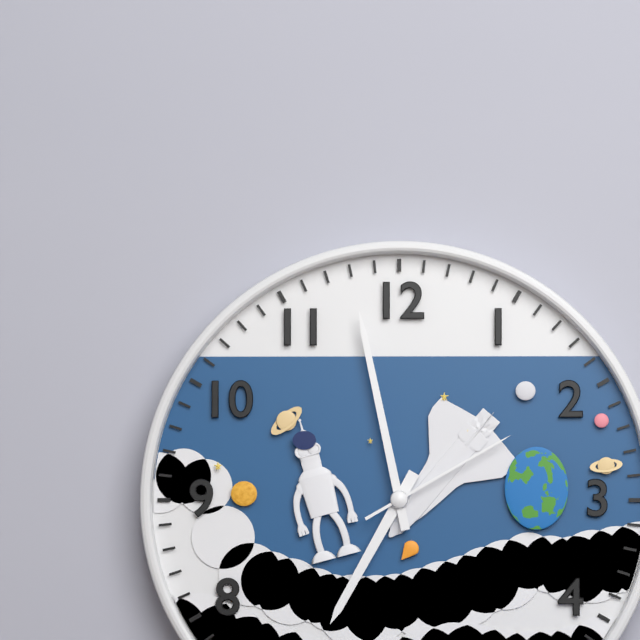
6:58:10
